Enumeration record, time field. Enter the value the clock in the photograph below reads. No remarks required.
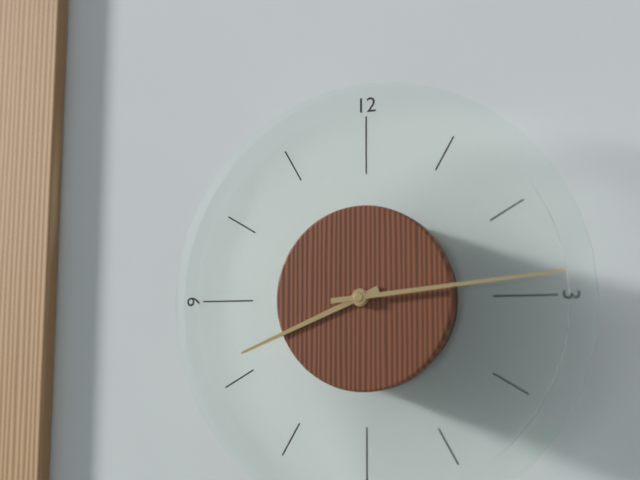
8:14
